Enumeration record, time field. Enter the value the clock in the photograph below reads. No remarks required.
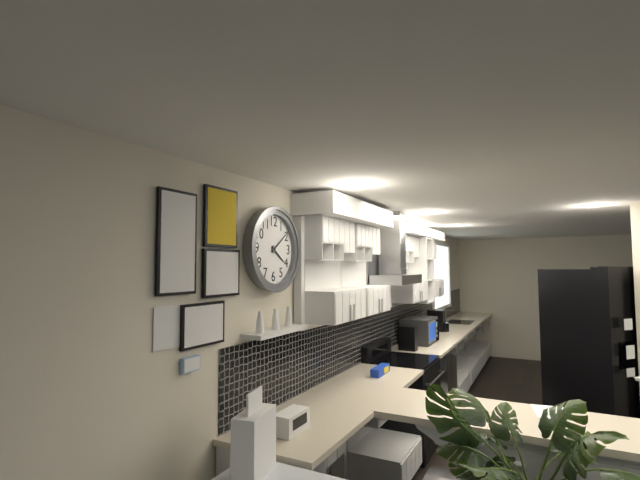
4:09
